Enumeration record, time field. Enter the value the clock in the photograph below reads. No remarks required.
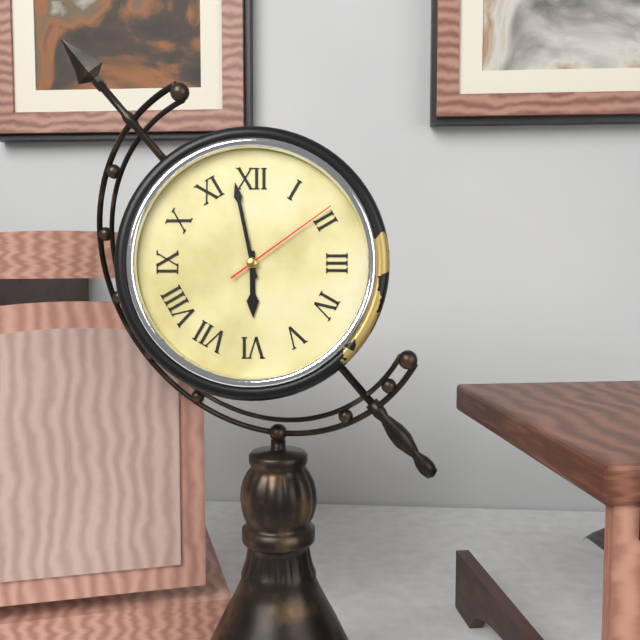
5:58:09
